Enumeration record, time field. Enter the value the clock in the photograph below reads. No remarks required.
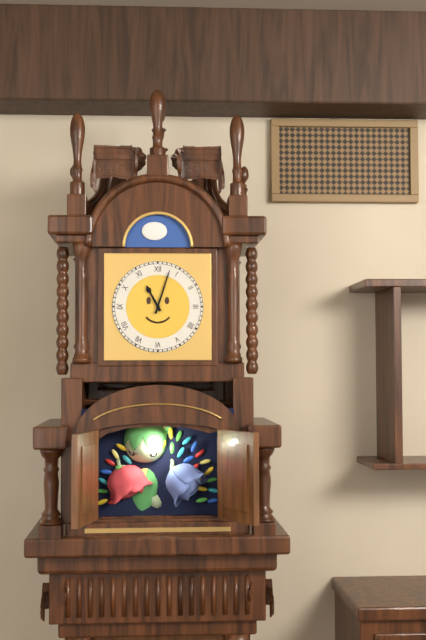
11:03
